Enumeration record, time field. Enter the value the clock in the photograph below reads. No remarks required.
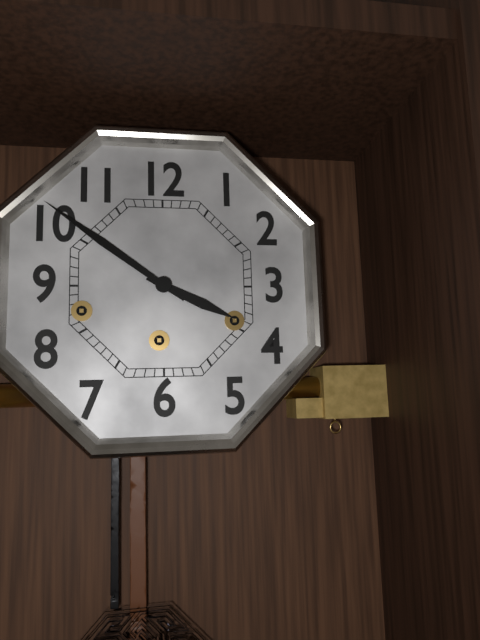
3:51
